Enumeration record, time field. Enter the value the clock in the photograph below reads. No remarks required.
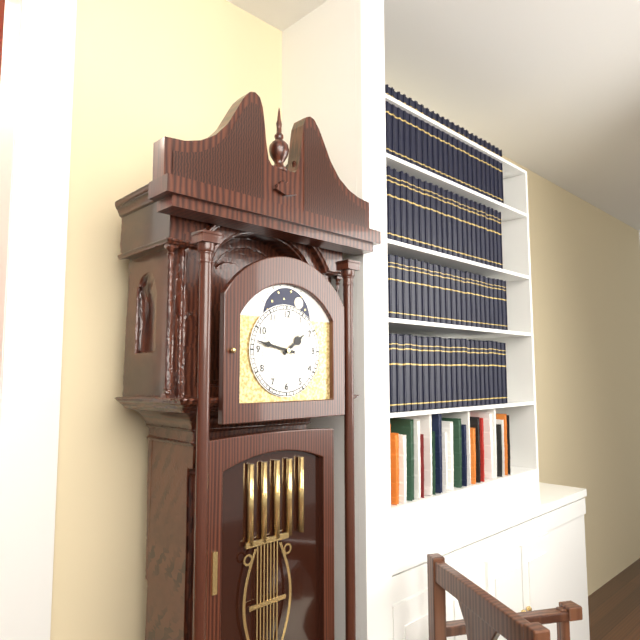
1:47
